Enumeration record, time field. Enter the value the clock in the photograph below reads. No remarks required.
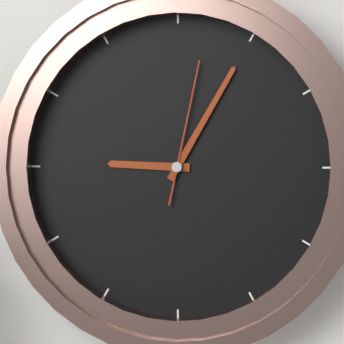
9:05:02
